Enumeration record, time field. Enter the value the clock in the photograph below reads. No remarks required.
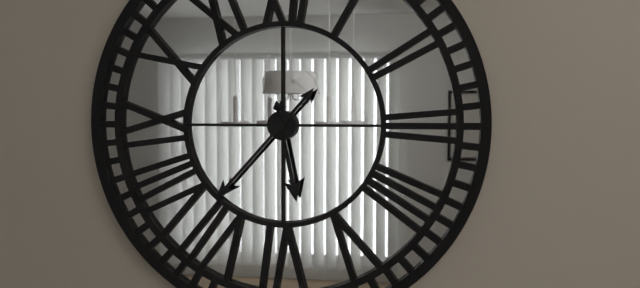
5:37
